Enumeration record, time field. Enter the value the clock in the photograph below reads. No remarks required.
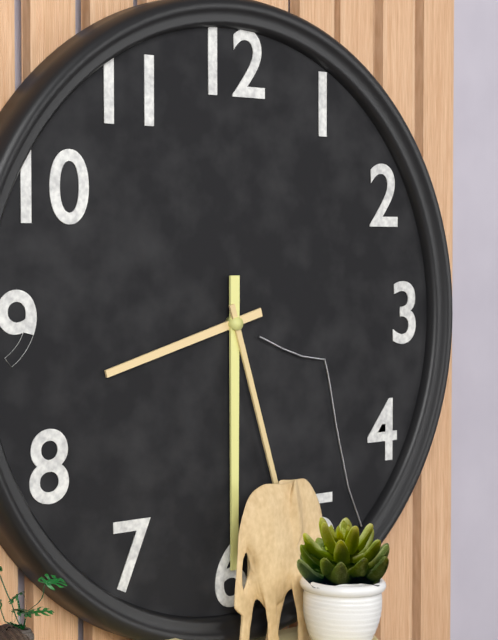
8:30
